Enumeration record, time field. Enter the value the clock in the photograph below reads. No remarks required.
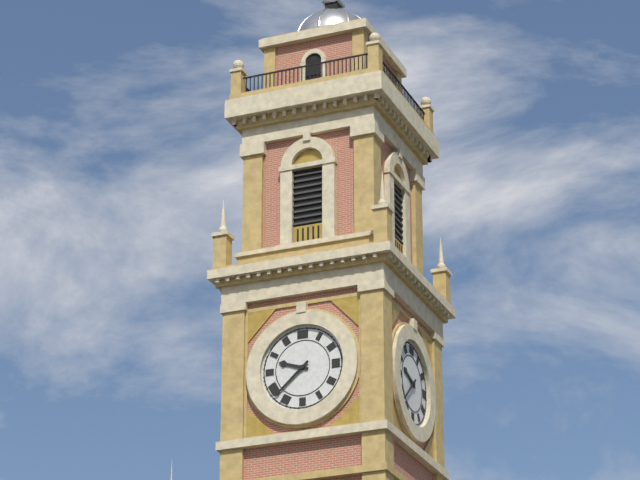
9:38
